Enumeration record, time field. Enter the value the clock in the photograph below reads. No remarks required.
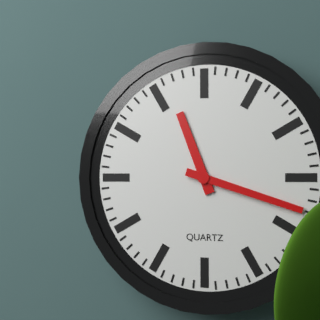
11:18
